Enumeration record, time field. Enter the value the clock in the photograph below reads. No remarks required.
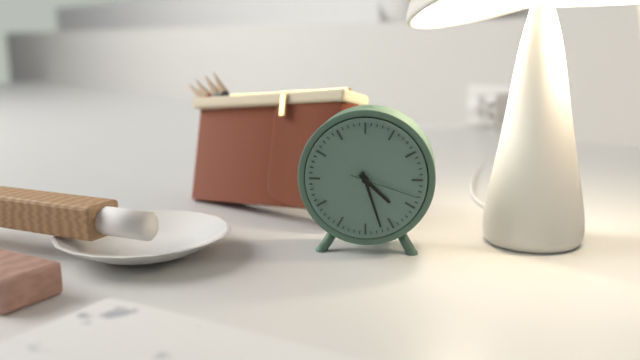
4:27:18
